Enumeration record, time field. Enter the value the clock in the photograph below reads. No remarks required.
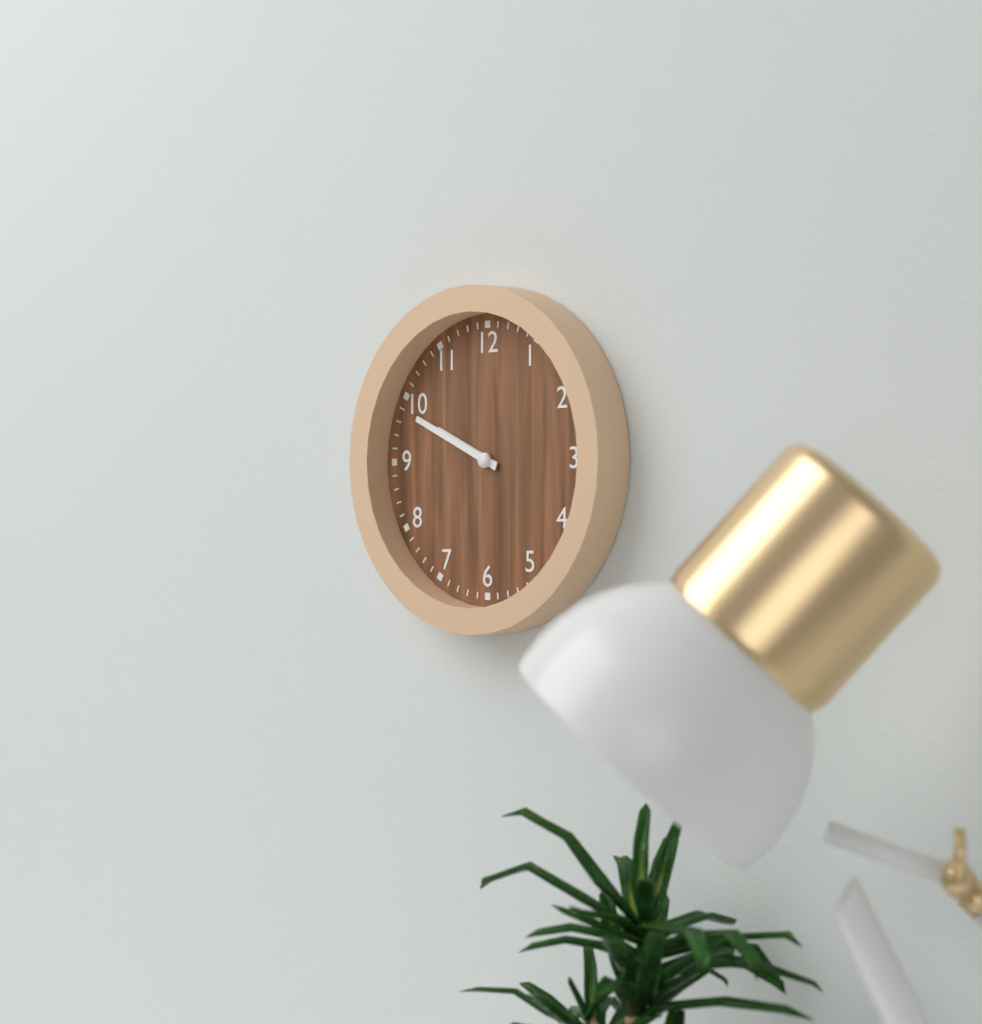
9:49
